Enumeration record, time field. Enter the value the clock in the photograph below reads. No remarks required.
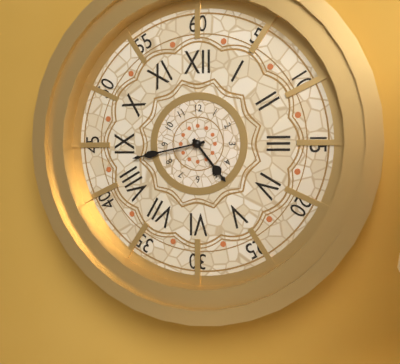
4:43
